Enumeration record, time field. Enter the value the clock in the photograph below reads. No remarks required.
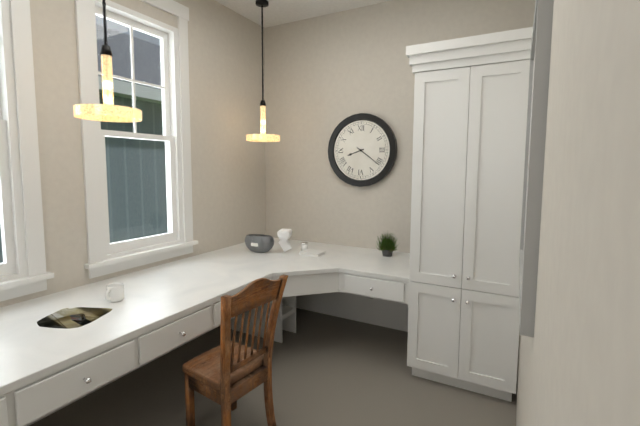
8:21
